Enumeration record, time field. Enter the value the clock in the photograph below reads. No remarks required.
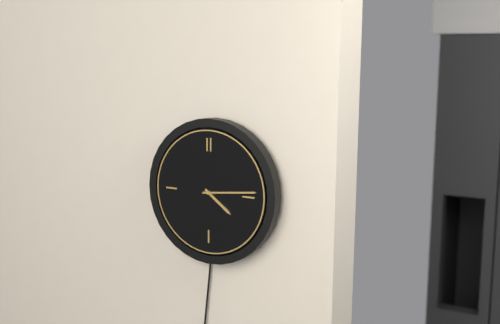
4:14
